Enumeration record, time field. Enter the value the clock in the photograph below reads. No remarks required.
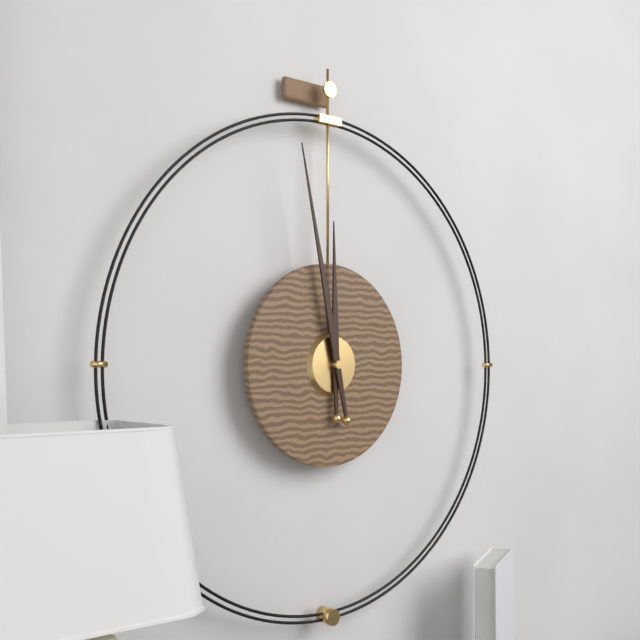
11:58
